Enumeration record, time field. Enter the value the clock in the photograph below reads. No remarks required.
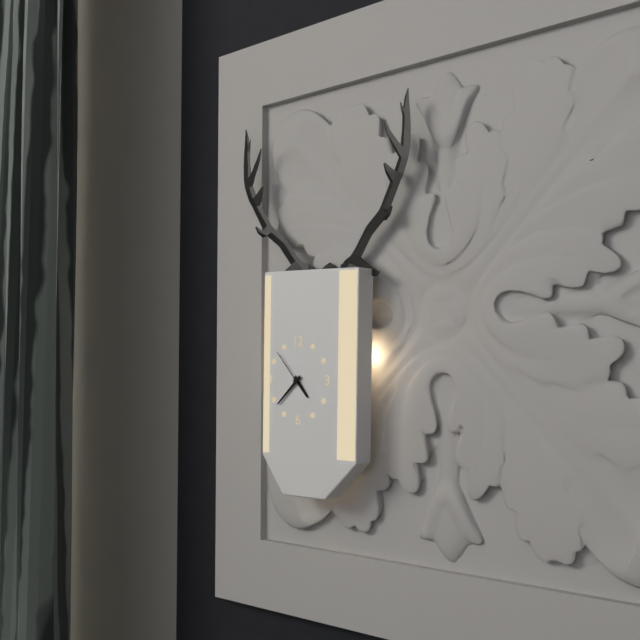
4:38
